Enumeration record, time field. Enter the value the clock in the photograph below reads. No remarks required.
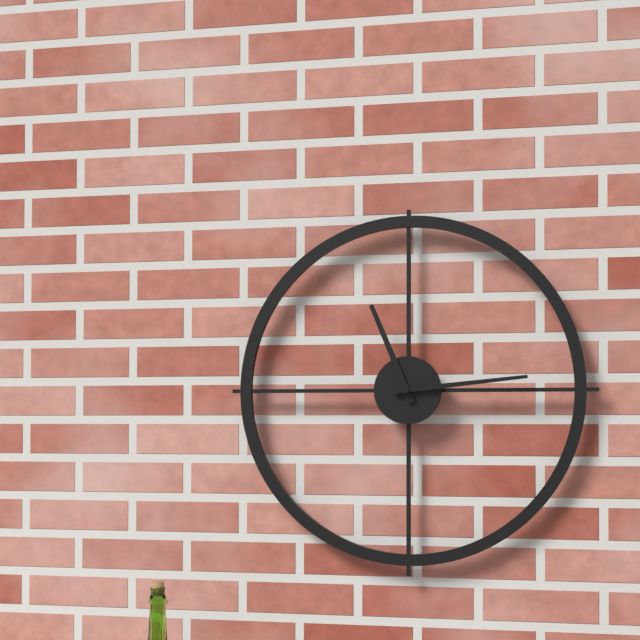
11:14
